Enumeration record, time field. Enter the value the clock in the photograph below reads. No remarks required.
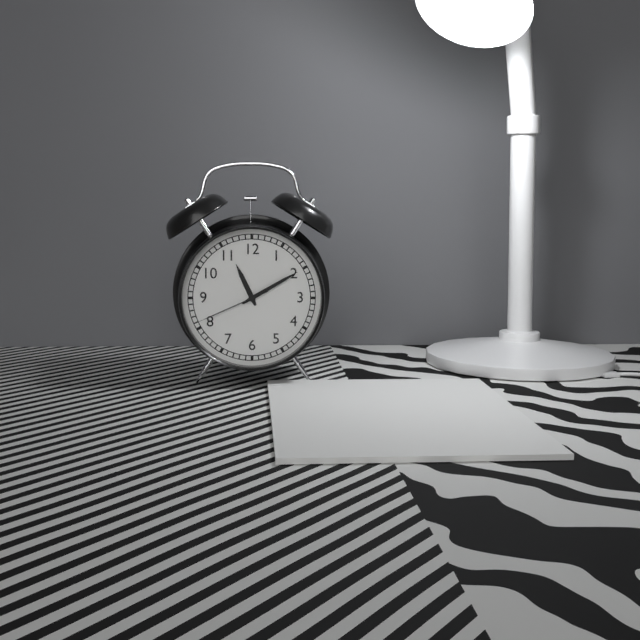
11:10:41
